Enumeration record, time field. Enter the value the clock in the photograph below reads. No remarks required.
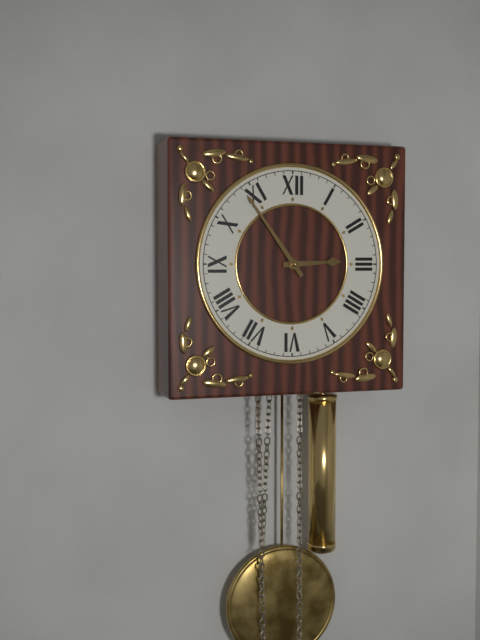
2:54
